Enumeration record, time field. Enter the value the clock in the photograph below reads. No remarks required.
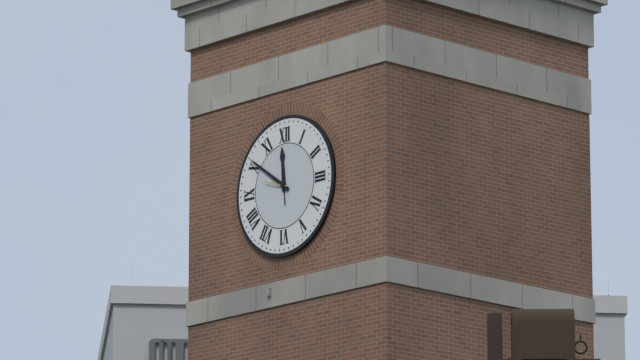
11:51
